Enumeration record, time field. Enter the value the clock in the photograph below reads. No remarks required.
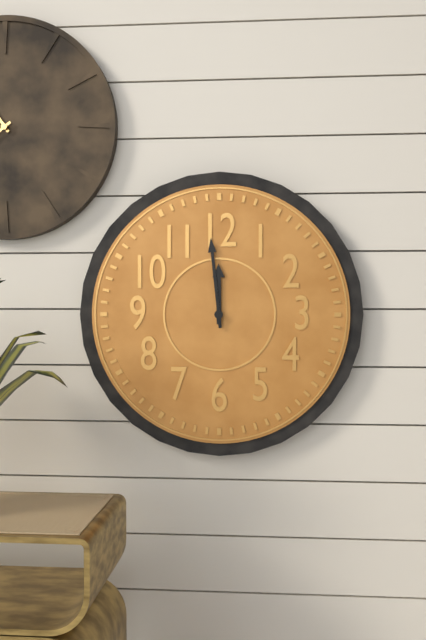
11:59
